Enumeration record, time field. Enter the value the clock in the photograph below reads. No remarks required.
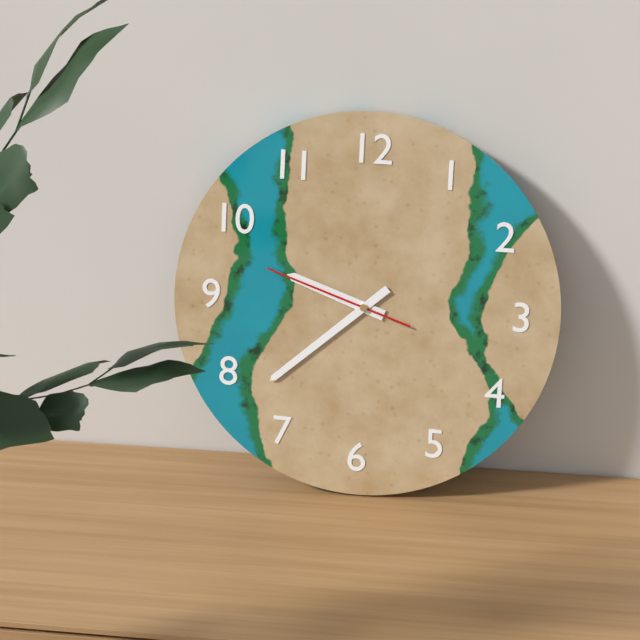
9:38:48
